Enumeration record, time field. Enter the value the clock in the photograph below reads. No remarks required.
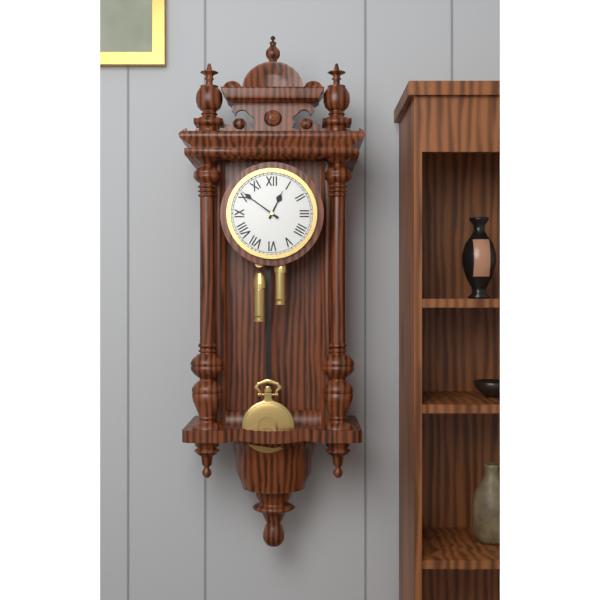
12:51
